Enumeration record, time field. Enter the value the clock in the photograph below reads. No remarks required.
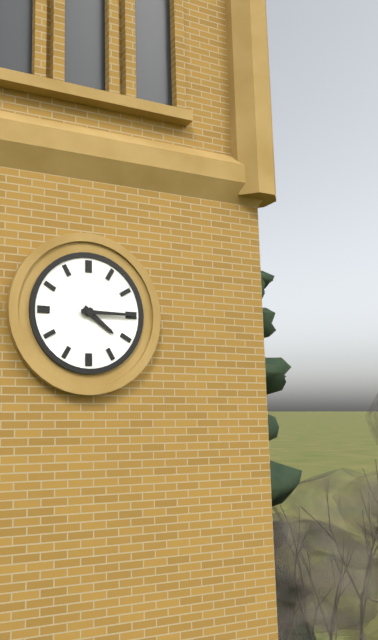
4:15
